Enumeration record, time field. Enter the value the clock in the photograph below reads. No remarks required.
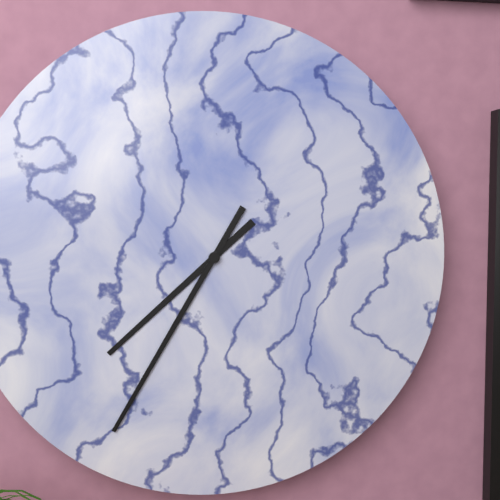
7:35
